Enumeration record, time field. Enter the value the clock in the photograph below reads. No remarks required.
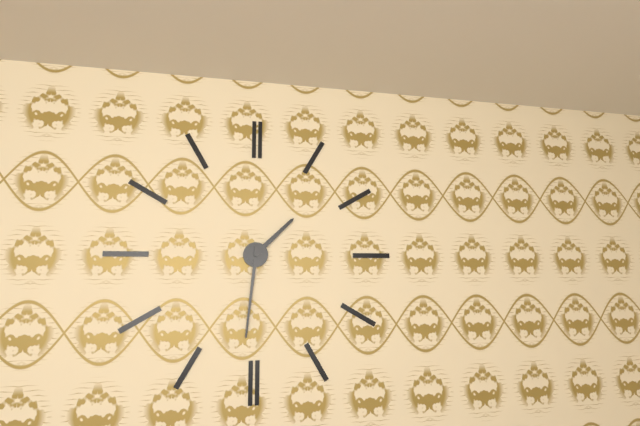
1:31
